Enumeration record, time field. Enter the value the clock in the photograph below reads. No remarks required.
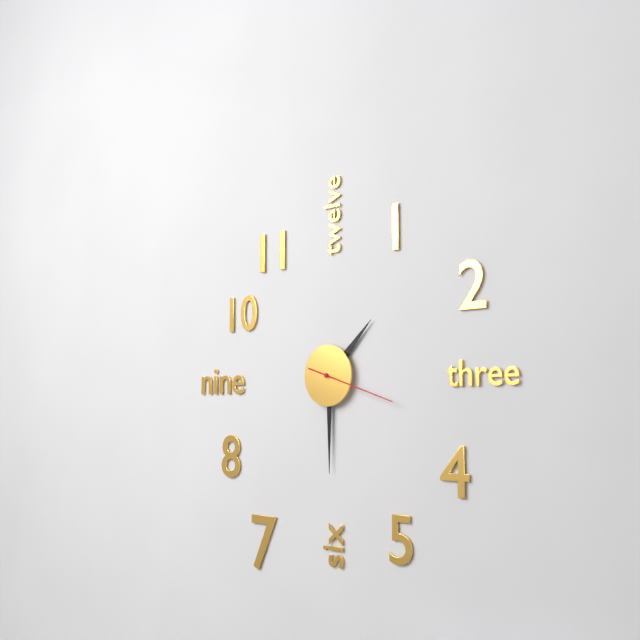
1:30:18
